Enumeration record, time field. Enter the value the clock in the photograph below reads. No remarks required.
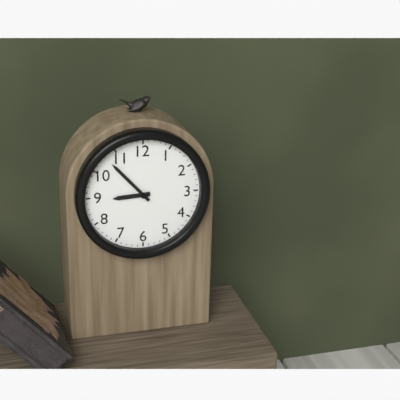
8:53
